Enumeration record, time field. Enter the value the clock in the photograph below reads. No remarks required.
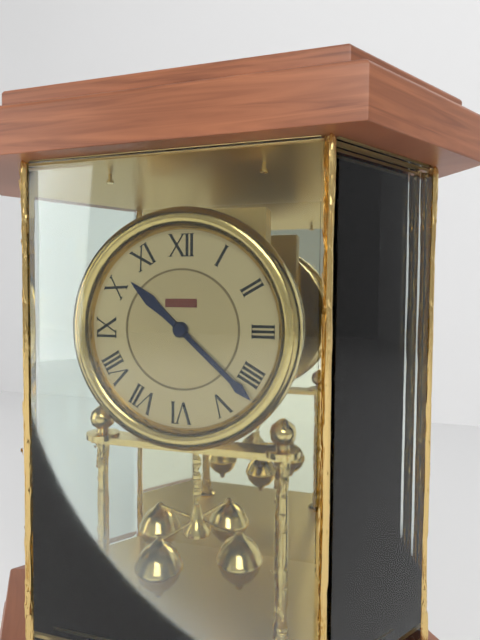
10:22
